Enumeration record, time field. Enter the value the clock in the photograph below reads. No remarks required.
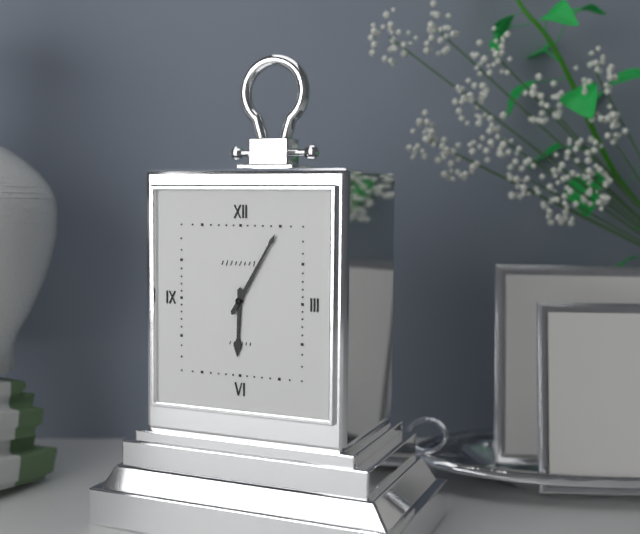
6:05
